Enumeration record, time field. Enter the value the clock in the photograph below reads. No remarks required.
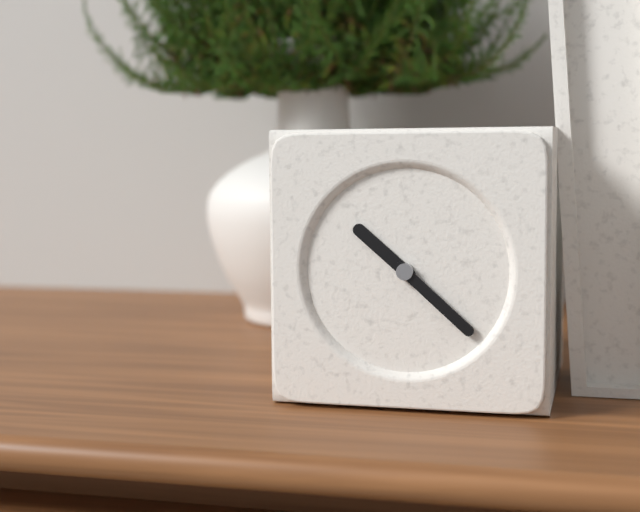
10:22
